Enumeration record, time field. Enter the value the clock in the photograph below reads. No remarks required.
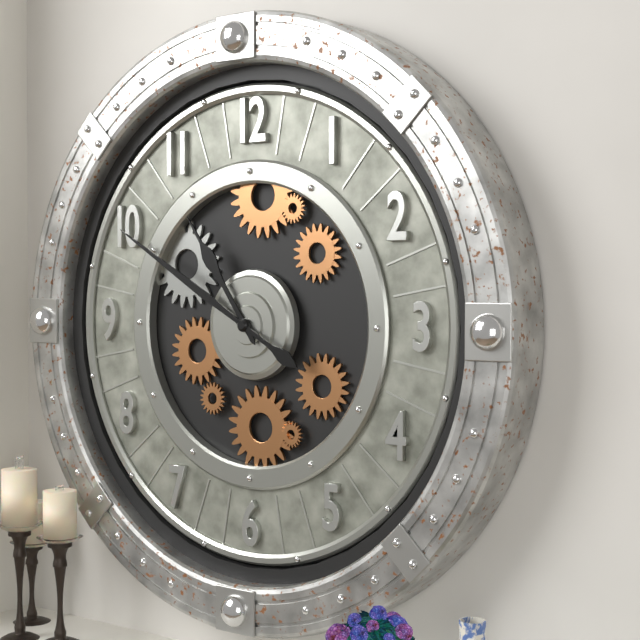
10:50
